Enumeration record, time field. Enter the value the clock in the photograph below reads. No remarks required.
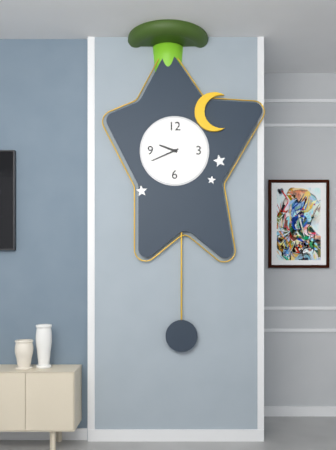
9:41
